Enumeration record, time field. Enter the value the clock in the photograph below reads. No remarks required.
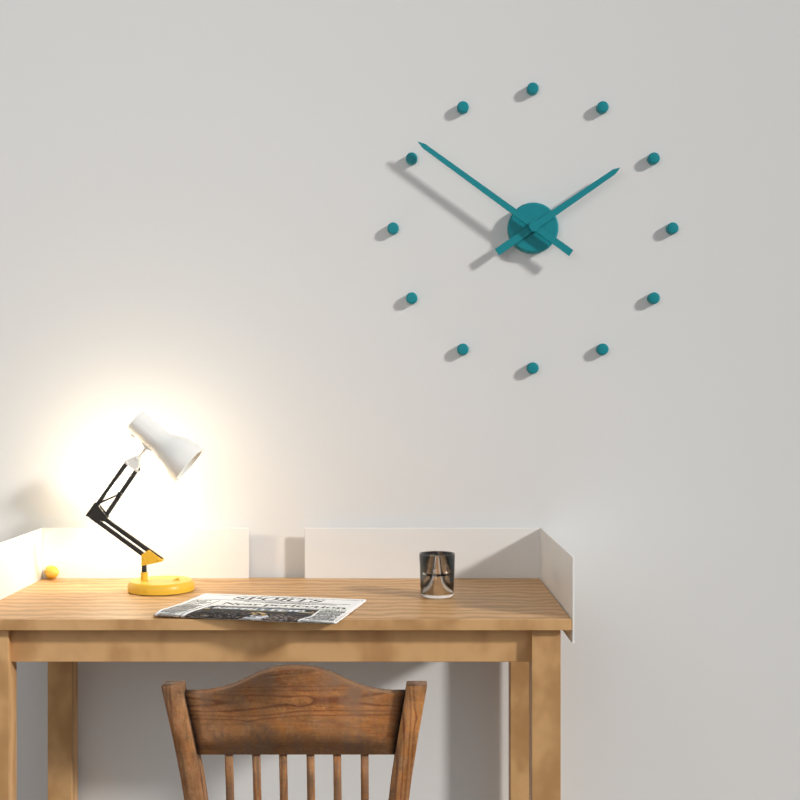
1:51
